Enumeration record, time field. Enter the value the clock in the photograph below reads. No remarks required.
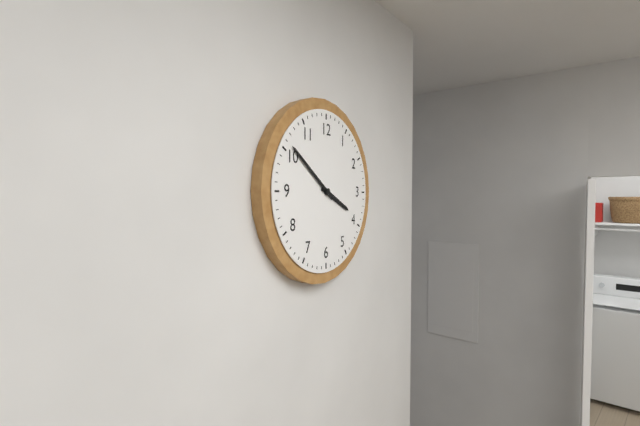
3:51
